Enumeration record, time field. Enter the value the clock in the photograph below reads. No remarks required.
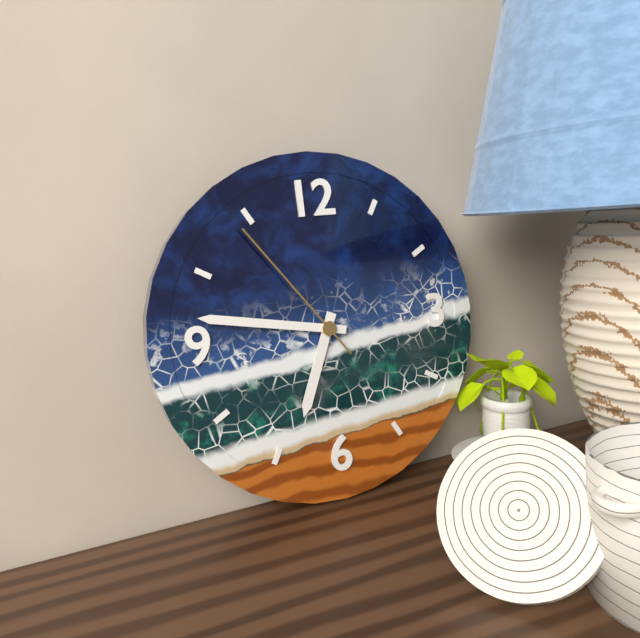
6:47:54
